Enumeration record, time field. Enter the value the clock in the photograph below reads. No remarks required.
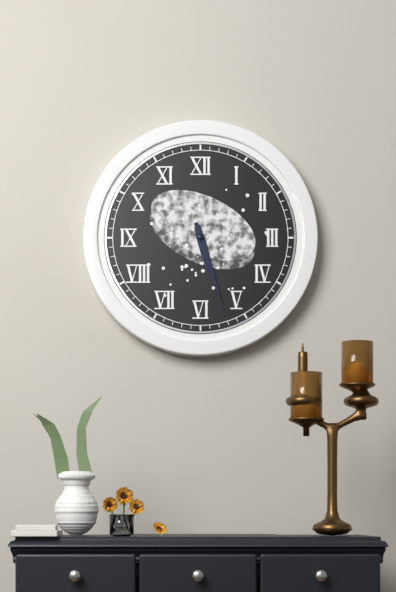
5:27
